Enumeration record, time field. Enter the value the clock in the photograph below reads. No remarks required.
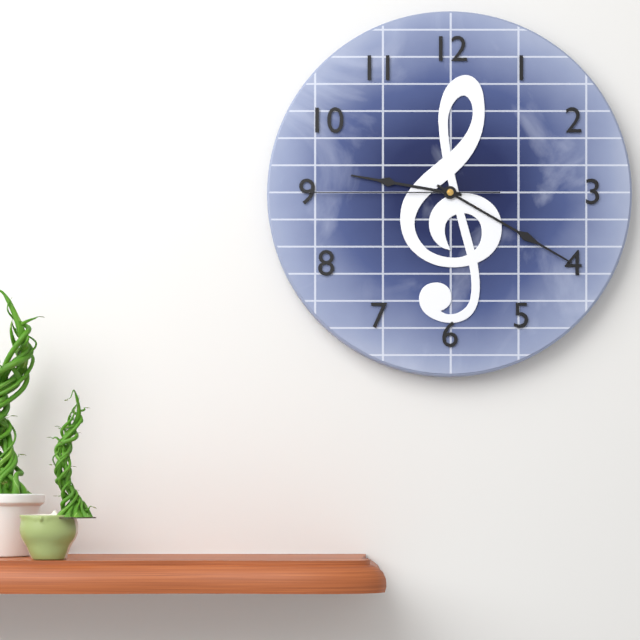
9:20:45
